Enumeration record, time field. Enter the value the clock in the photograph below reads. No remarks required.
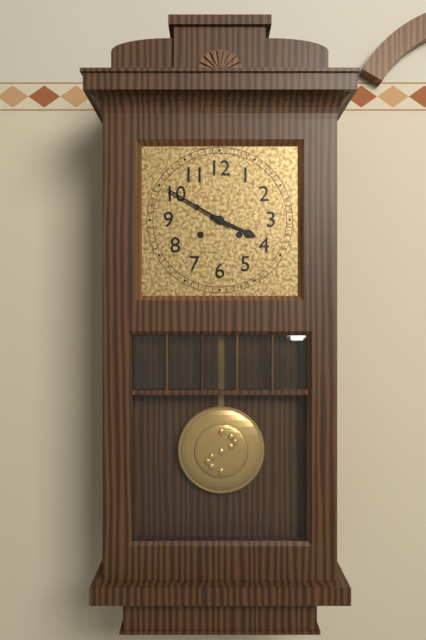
3:50
